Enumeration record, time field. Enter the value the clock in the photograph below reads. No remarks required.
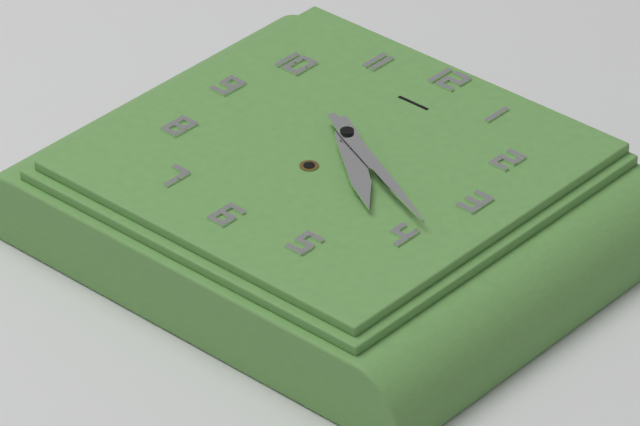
4:19
